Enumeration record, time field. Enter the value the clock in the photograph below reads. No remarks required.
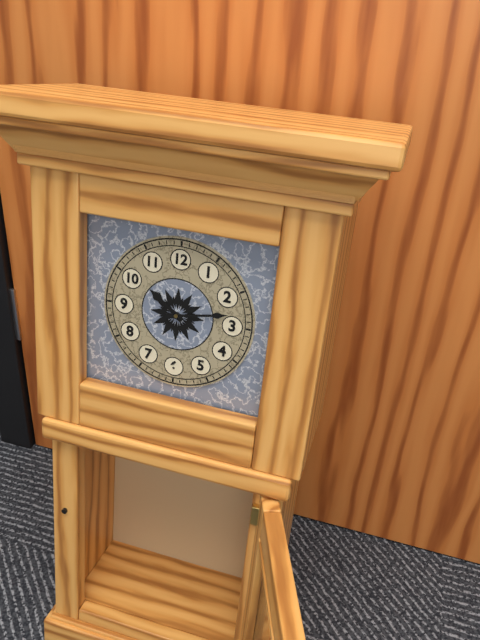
10:13
